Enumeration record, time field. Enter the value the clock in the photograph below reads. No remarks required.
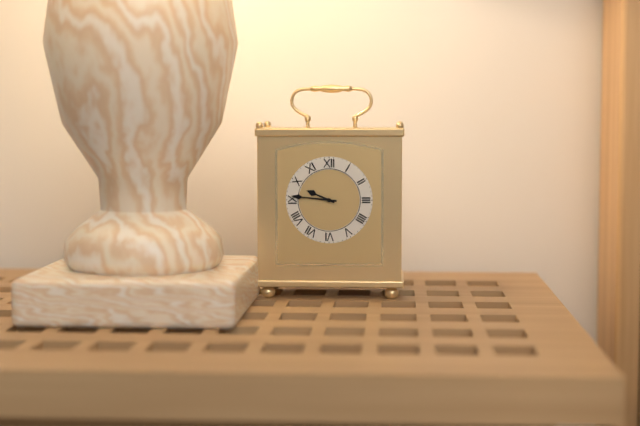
9:46
